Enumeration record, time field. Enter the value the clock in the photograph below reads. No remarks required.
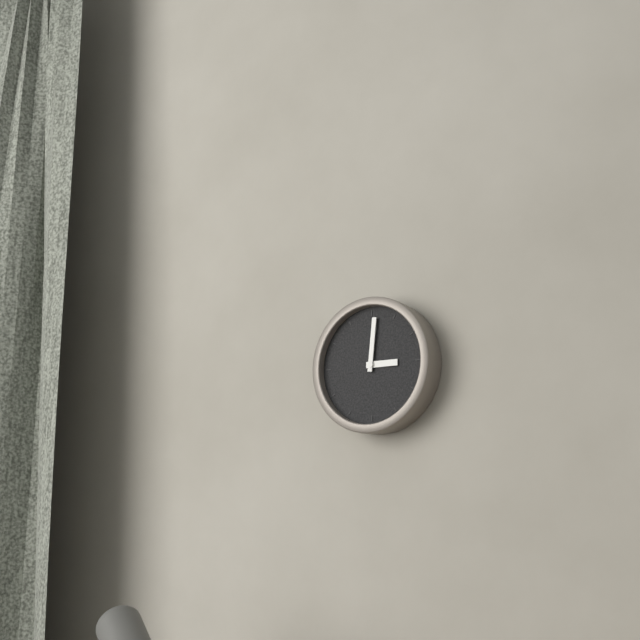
3:01
